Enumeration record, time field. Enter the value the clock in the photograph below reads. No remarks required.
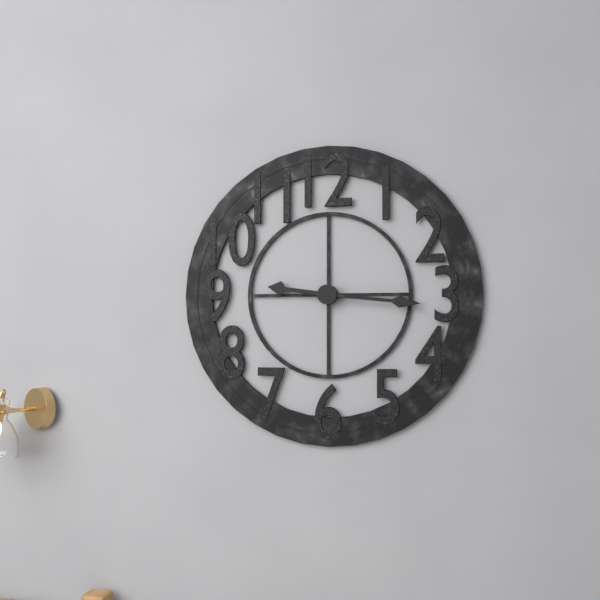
9:16
